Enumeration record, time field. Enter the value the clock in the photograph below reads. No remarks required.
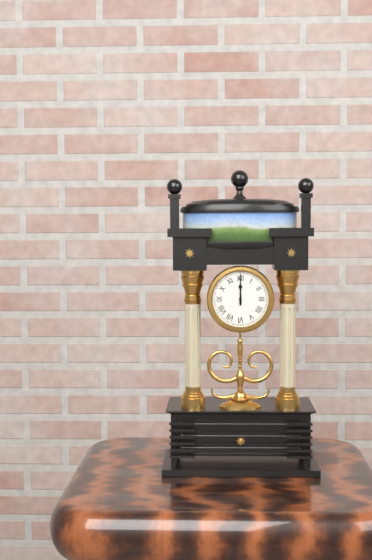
12:00
